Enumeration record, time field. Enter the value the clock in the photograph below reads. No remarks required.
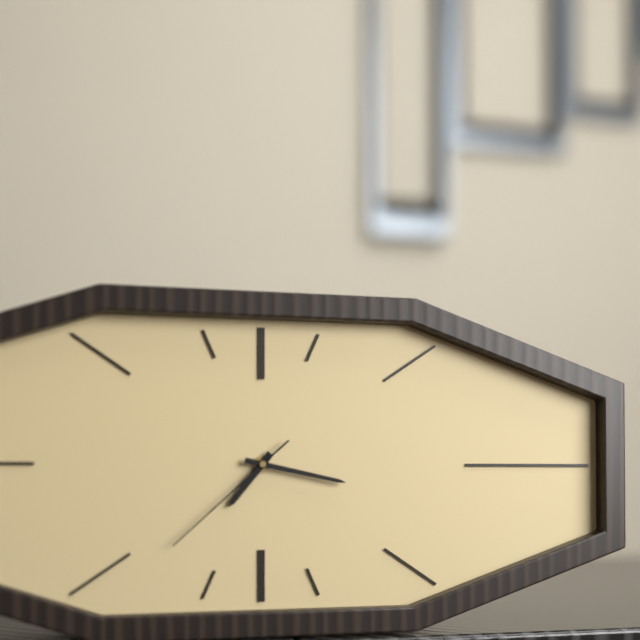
7:17:38
